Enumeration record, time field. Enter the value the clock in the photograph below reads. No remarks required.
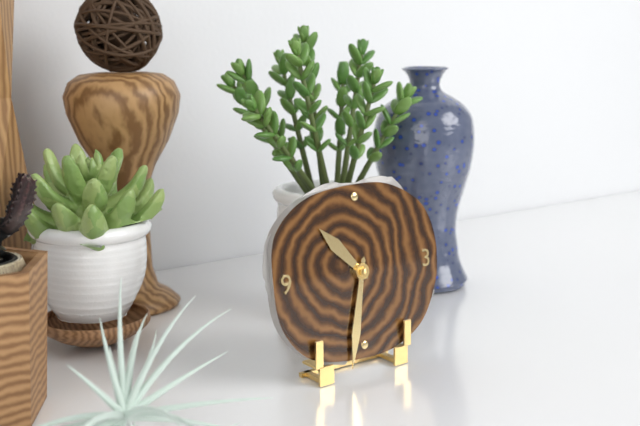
10:32
